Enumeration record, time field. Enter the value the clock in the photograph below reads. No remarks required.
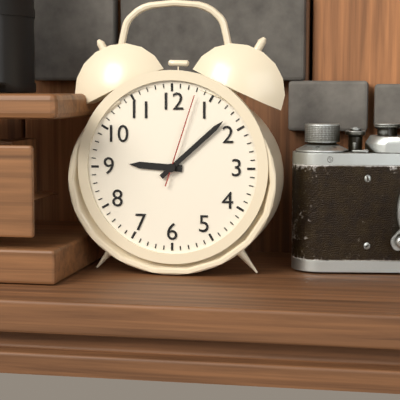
9:08:03
